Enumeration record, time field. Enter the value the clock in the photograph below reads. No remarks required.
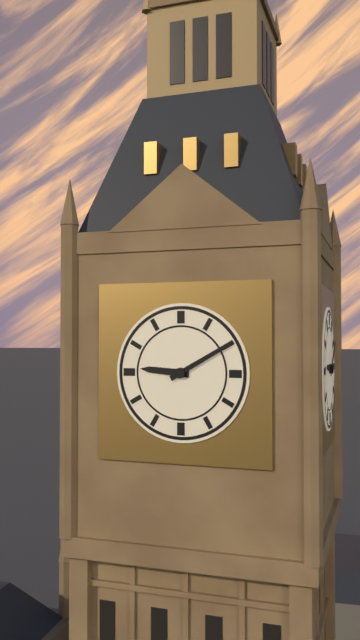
9:10
